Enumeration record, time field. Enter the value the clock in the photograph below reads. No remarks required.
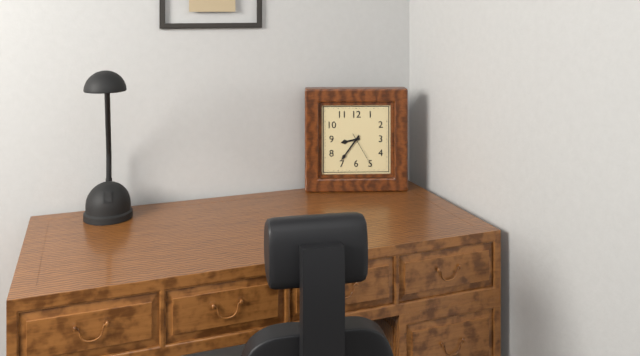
8:36
